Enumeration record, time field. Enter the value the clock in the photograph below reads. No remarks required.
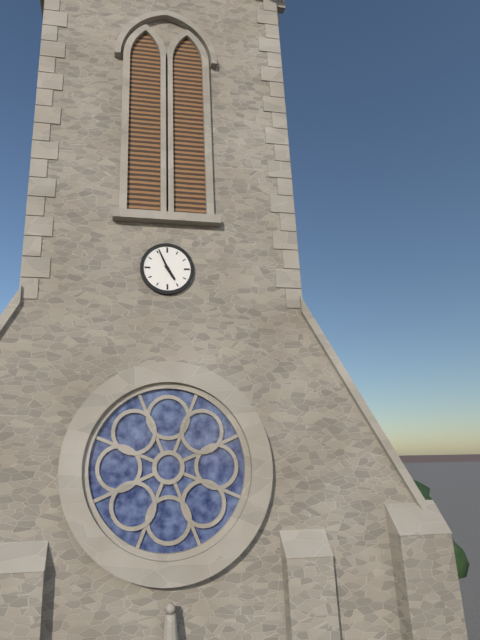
4:56
